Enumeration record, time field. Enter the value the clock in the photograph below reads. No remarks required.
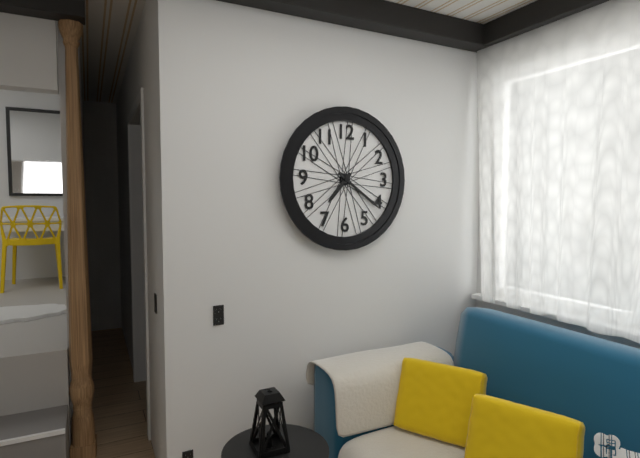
7:21
